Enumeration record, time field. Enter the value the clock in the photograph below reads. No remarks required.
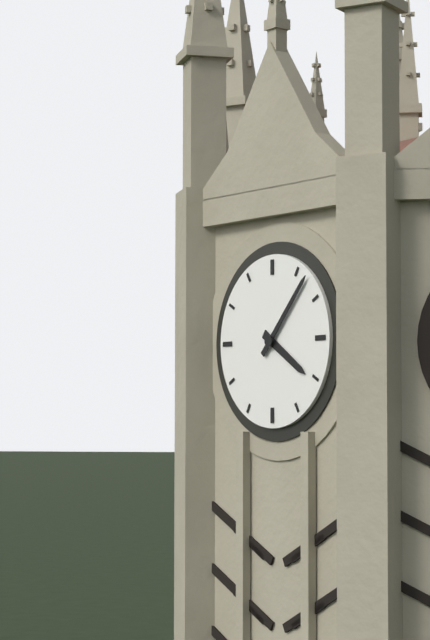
4:07
